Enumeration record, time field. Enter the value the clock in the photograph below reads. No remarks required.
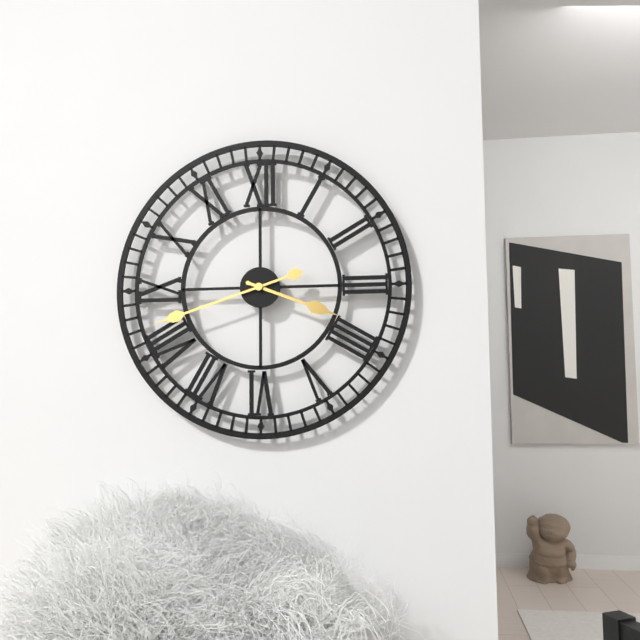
3:42
